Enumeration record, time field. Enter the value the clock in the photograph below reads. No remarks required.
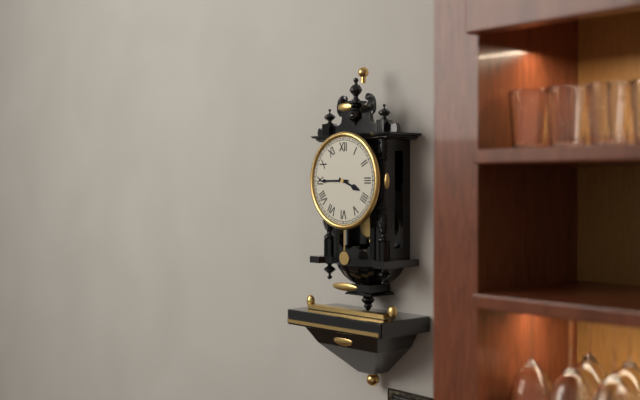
3:45
